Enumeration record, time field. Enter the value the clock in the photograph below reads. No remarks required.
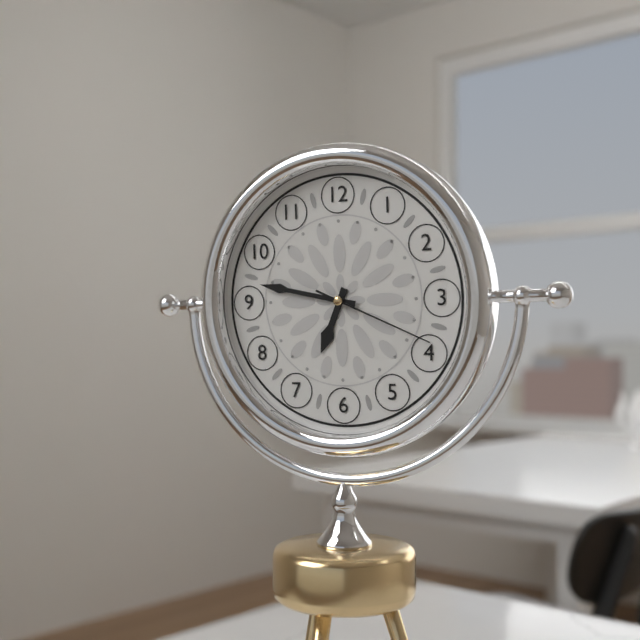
6:47:19
